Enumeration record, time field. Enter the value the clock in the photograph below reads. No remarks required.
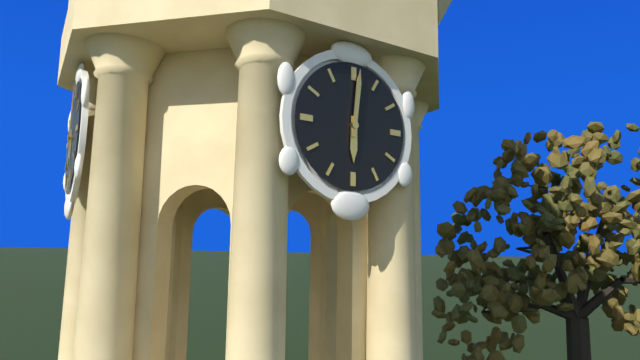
6:01
